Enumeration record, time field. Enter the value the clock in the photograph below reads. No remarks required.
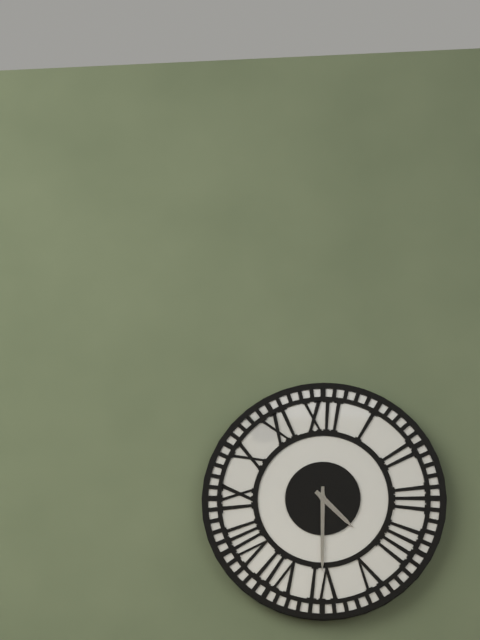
4:30
